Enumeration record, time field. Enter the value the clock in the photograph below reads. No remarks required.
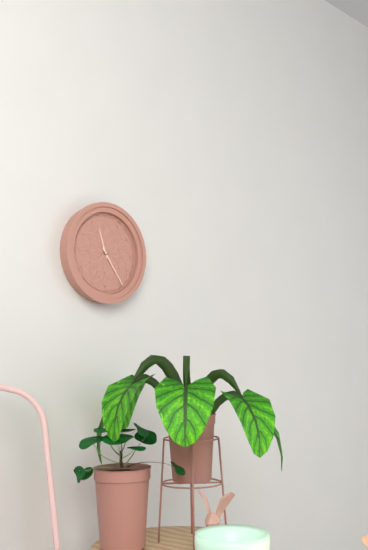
11:24
